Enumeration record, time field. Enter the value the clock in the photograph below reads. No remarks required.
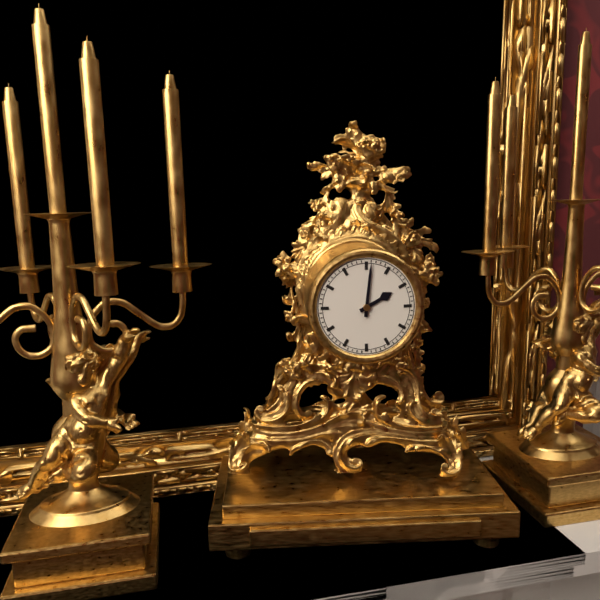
2:01
